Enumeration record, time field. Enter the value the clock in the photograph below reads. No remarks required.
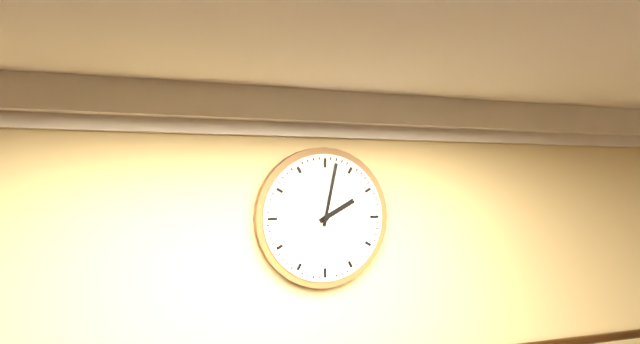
2:02
